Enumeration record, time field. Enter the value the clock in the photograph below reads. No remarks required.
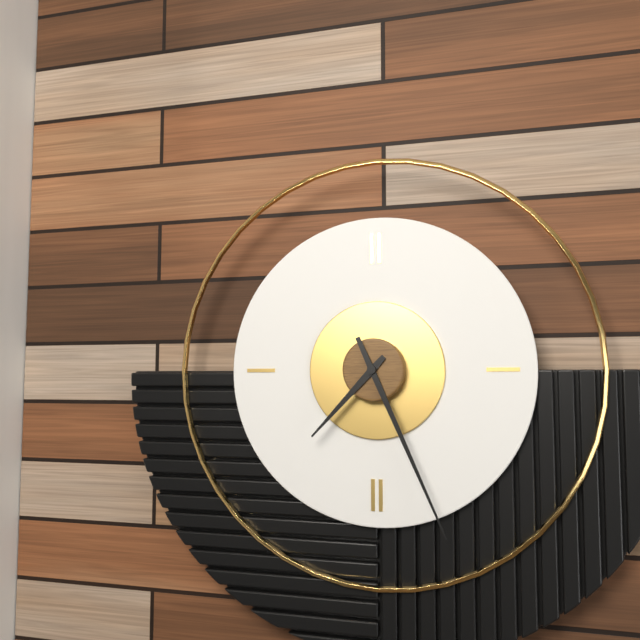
7:26
